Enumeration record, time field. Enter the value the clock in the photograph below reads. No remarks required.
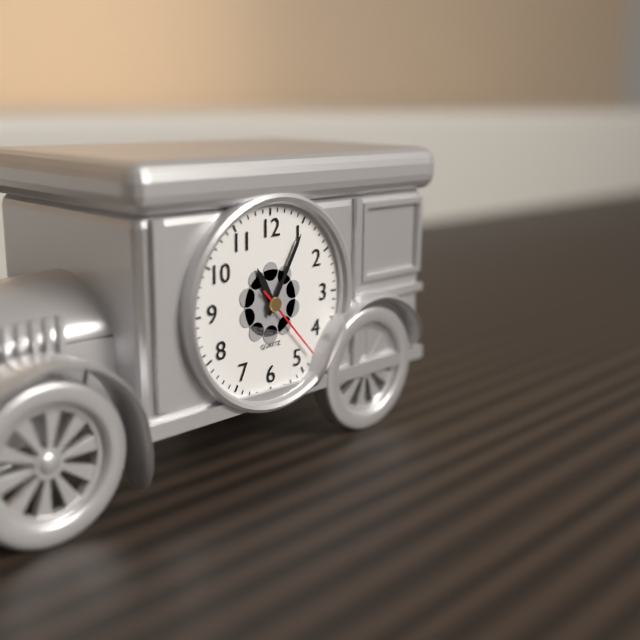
11:05:23
